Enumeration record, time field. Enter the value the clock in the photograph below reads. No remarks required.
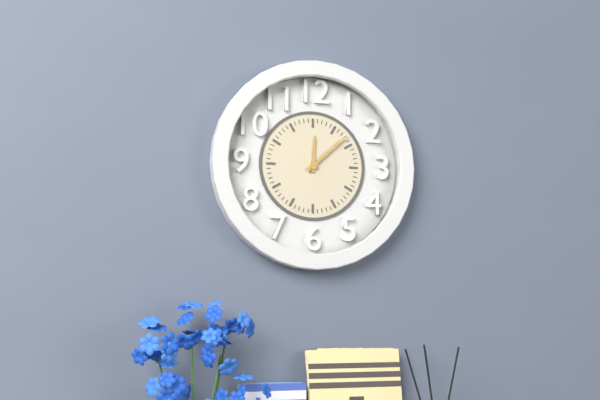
12:08
